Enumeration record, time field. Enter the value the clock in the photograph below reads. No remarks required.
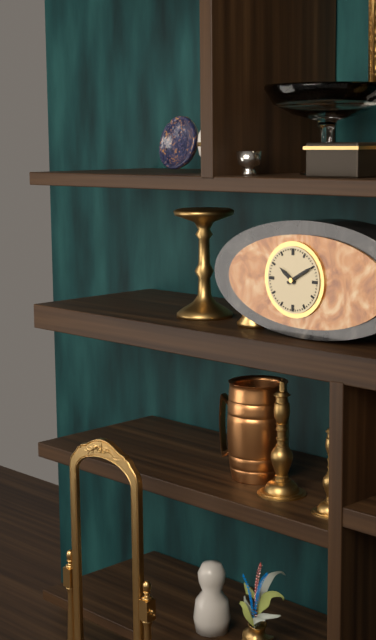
10:10
